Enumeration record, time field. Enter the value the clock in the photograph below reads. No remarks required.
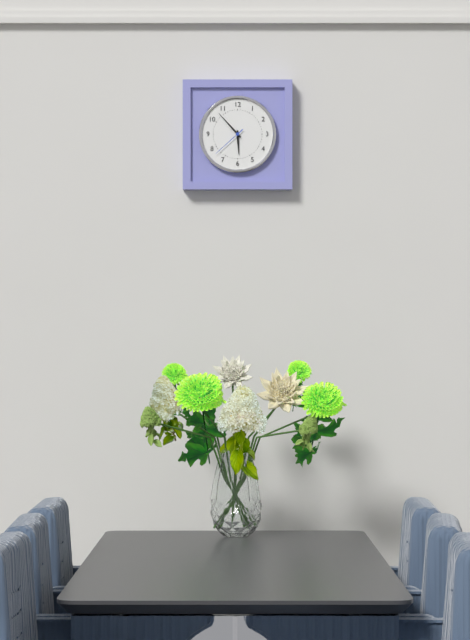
5:53
